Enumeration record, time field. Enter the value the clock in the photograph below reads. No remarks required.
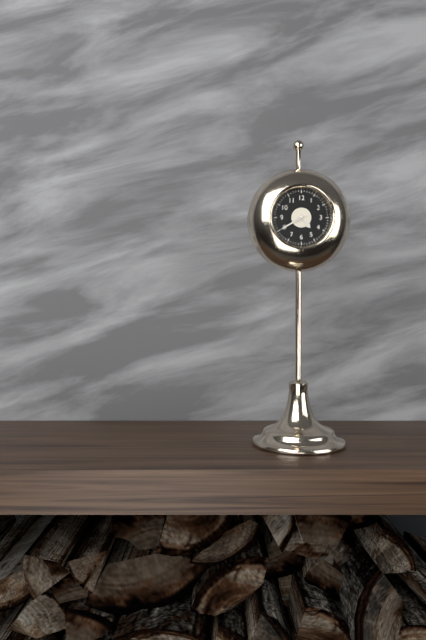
4:40
